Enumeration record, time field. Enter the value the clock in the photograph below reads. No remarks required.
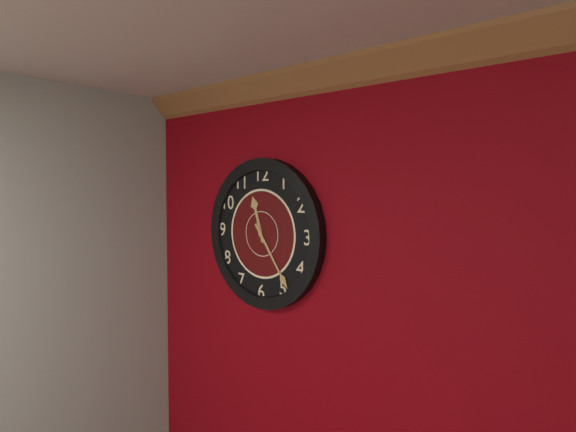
11:24
